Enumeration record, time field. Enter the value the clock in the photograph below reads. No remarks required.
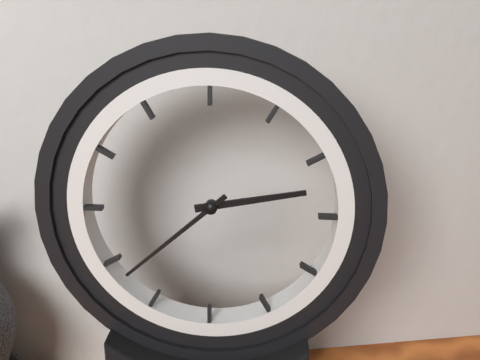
2:38
